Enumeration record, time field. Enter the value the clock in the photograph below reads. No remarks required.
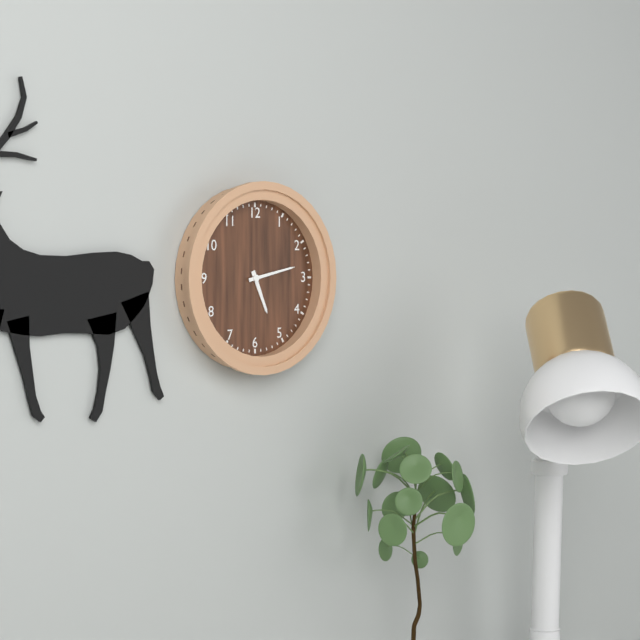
5:13
